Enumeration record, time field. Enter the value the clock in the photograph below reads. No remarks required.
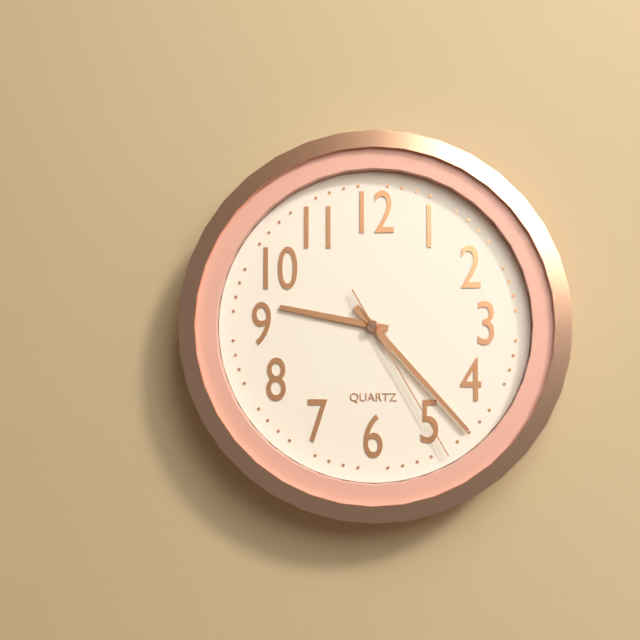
9:23:25
